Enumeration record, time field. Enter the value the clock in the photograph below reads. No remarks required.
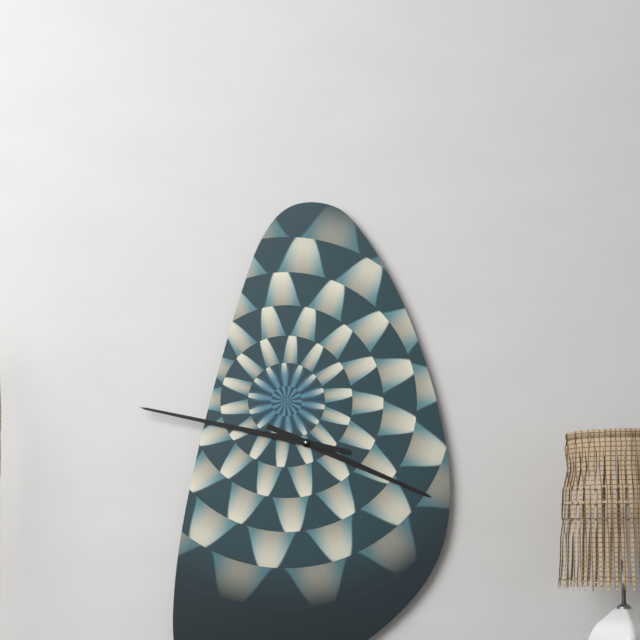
3:47
